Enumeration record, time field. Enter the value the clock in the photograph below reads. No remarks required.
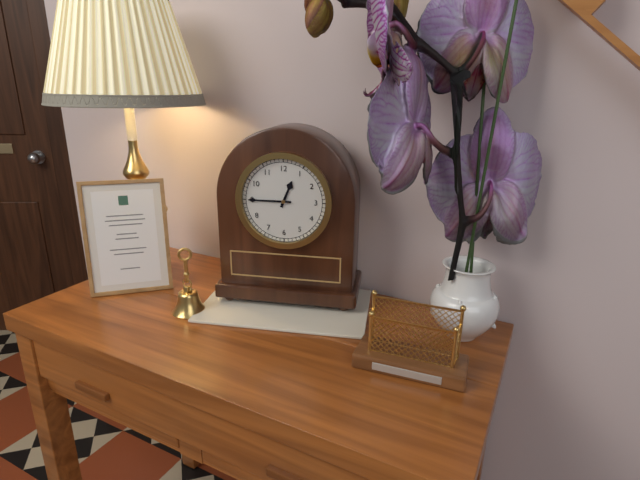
12:45
